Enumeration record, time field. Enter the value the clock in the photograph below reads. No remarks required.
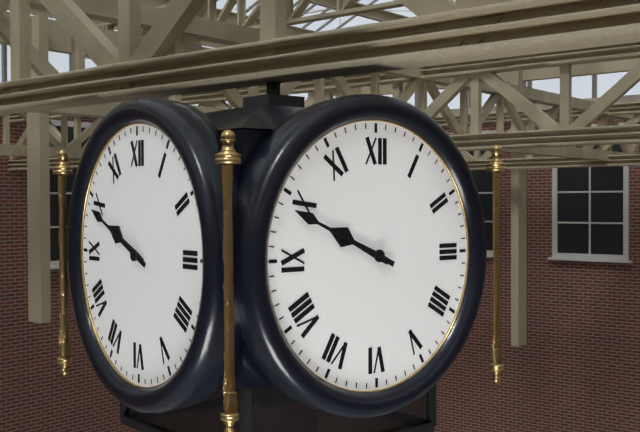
9:49
